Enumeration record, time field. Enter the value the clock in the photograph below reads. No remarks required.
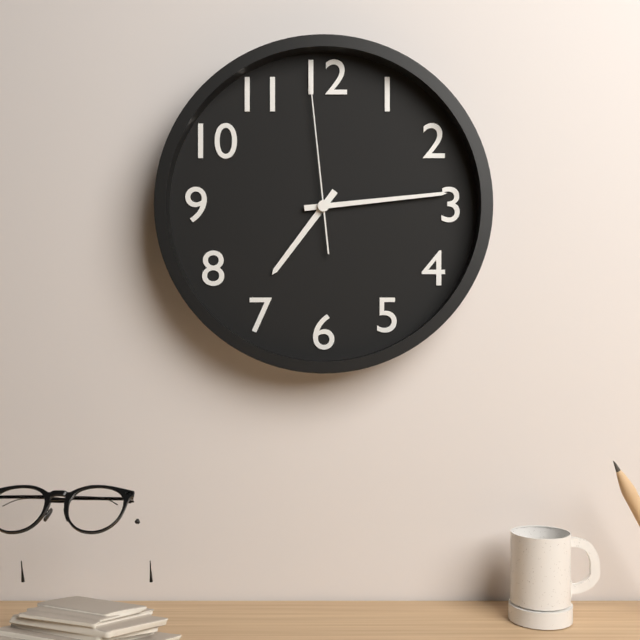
7:14:59
